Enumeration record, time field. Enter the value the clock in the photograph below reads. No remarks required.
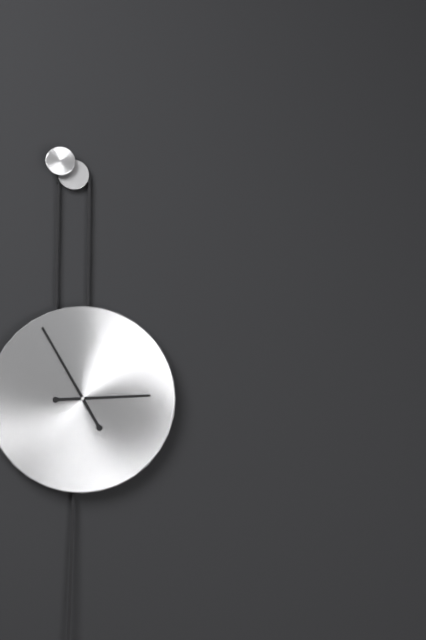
2:55
